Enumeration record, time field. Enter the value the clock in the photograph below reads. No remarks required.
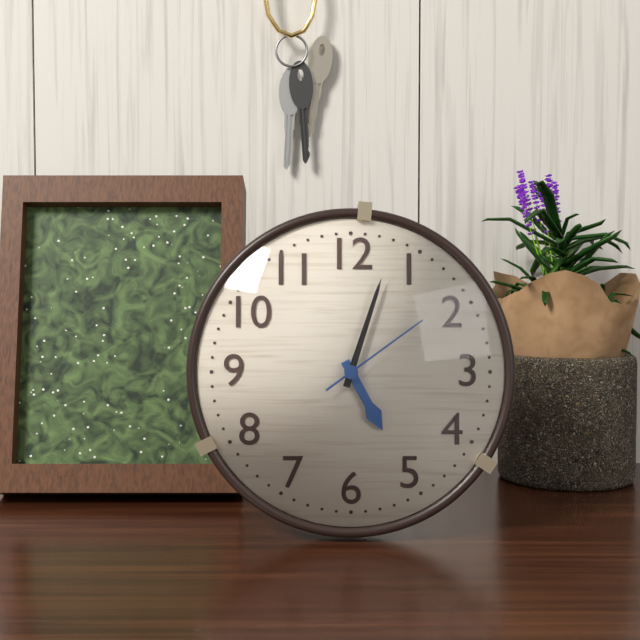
5:03:09
